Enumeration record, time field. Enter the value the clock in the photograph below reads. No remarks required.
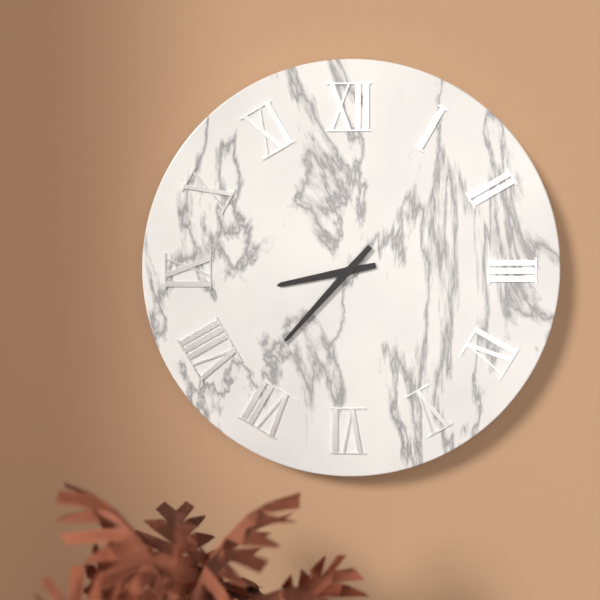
8:37
